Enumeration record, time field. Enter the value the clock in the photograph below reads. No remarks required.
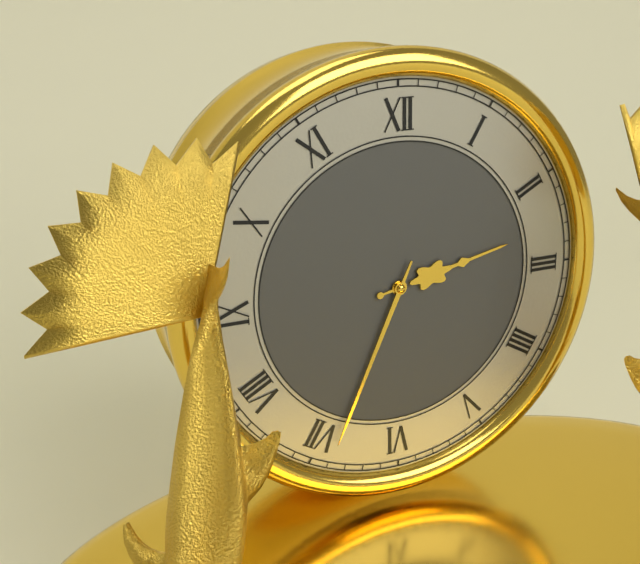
2:34
